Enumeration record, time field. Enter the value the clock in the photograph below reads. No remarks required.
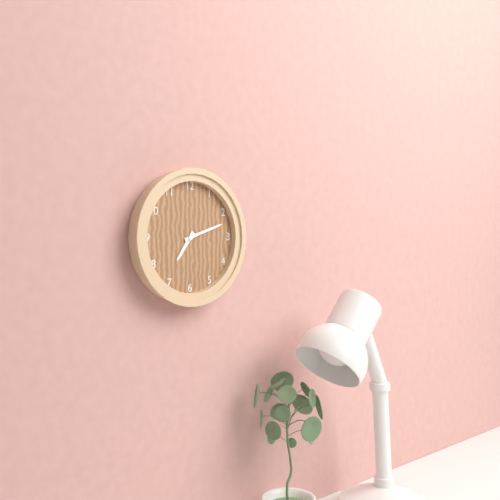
7:12
